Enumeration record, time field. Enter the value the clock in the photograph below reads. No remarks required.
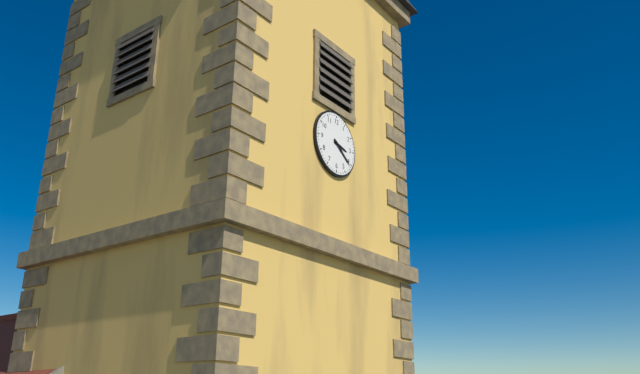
3:21
